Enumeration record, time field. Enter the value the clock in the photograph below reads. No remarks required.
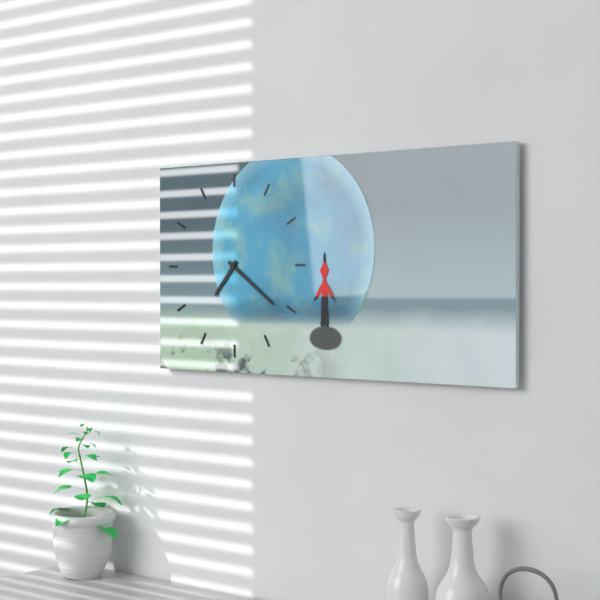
7:21
